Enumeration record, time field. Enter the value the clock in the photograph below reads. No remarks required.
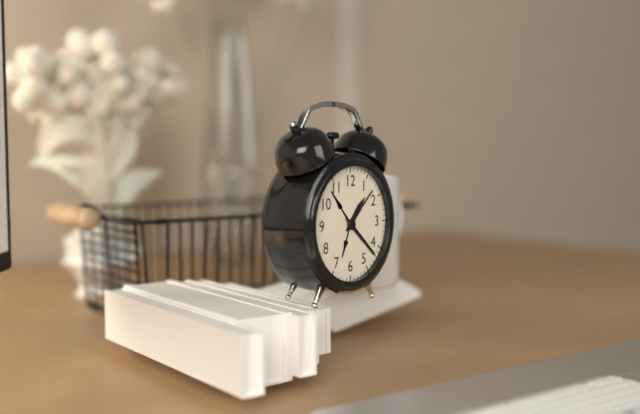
1:22
